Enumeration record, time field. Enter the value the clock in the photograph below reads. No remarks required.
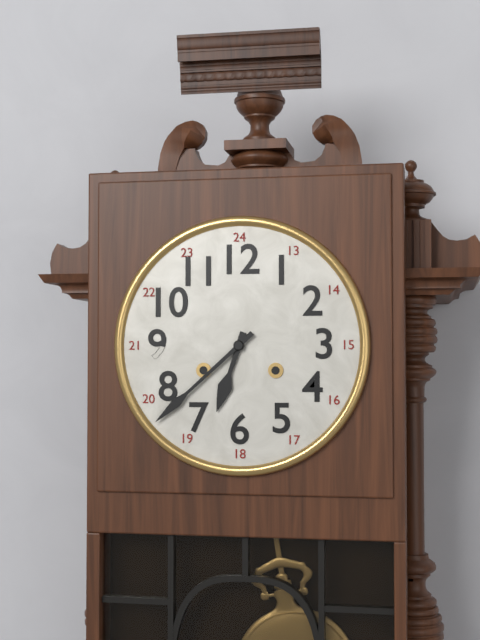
6:38
